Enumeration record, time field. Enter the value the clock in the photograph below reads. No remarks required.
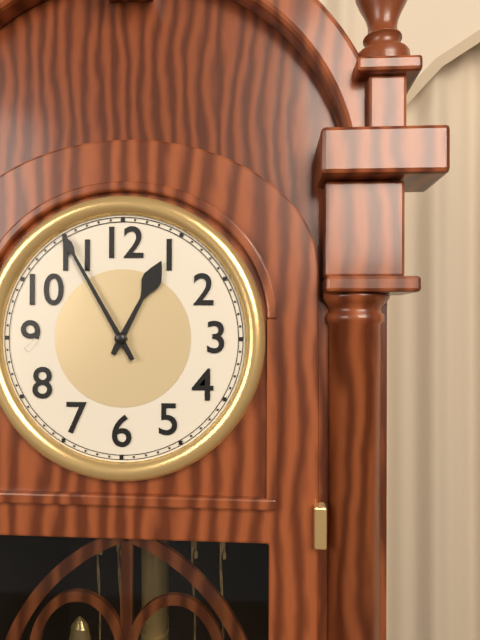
12:55
